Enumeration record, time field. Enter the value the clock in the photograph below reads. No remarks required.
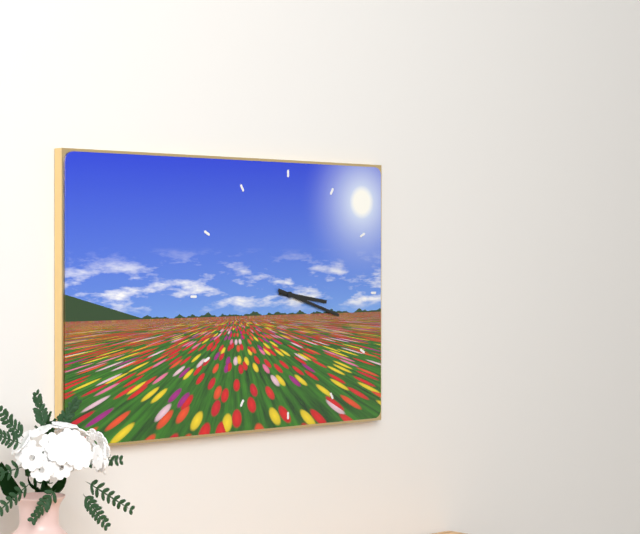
3:18
